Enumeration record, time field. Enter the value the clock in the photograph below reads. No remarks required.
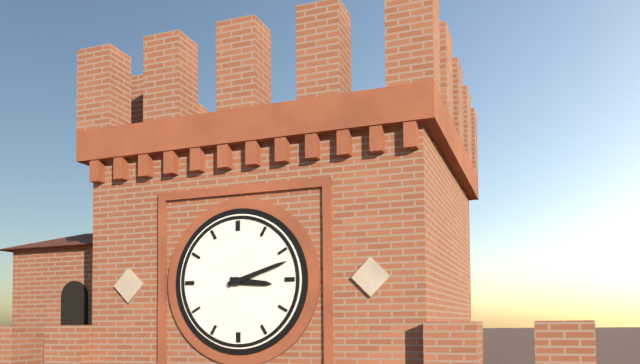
3:12
